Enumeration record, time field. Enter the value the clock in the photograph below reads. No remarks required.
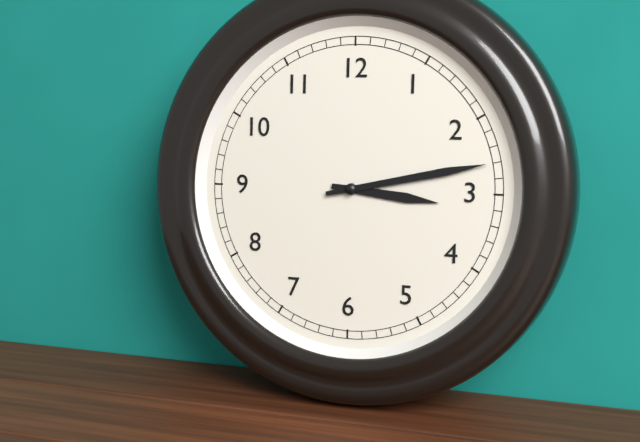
3:13
